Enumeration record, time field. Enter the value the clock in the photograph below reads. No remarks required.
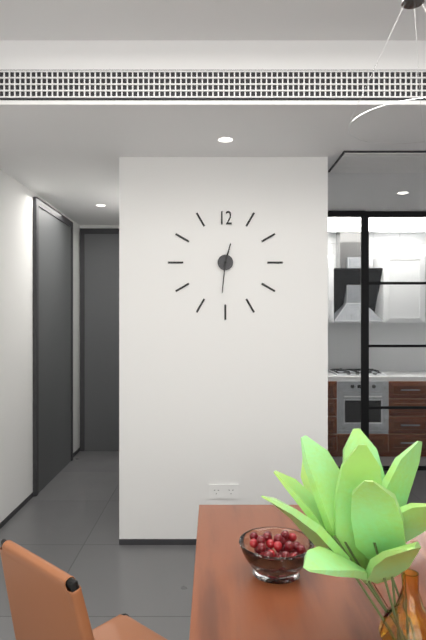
12:31
